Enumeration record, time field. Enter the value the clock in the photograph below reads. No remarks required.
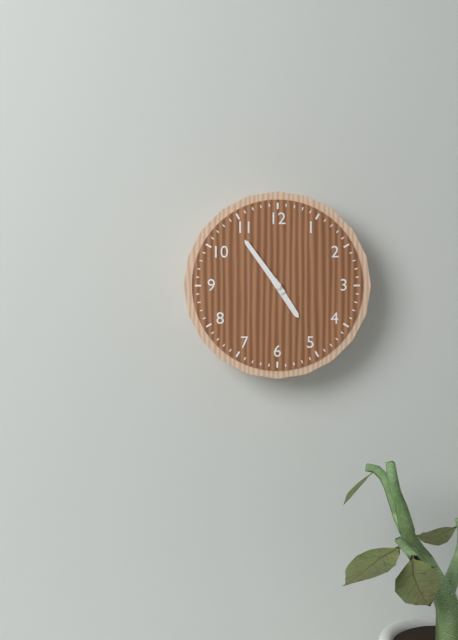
4:54
